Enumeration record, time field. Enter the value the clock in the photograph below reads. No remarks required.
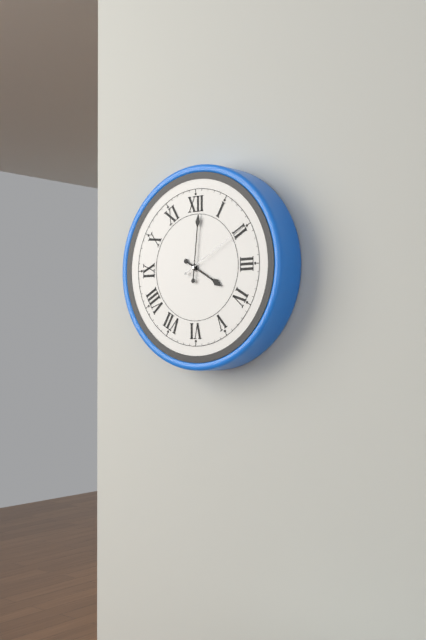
4:01:10
